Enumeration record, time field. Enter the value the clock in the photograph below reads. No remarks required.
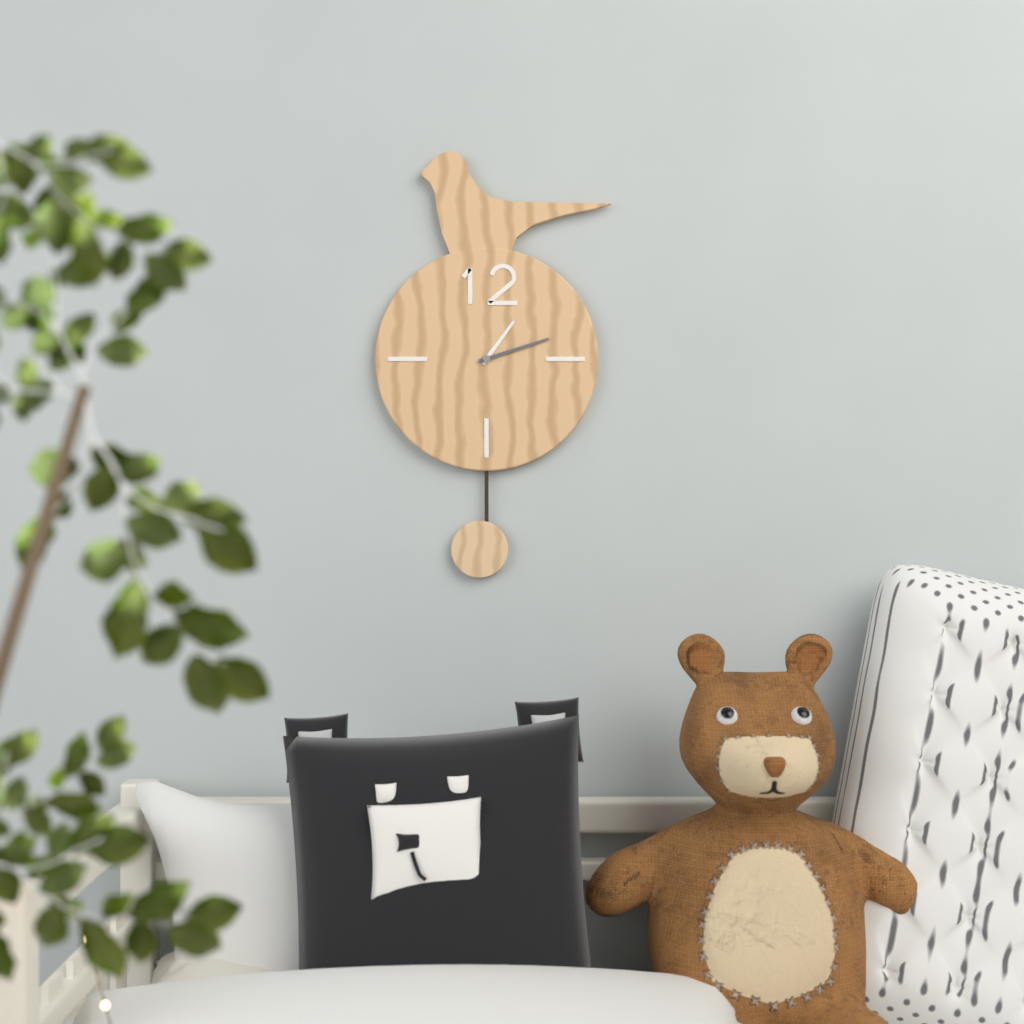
1:12
